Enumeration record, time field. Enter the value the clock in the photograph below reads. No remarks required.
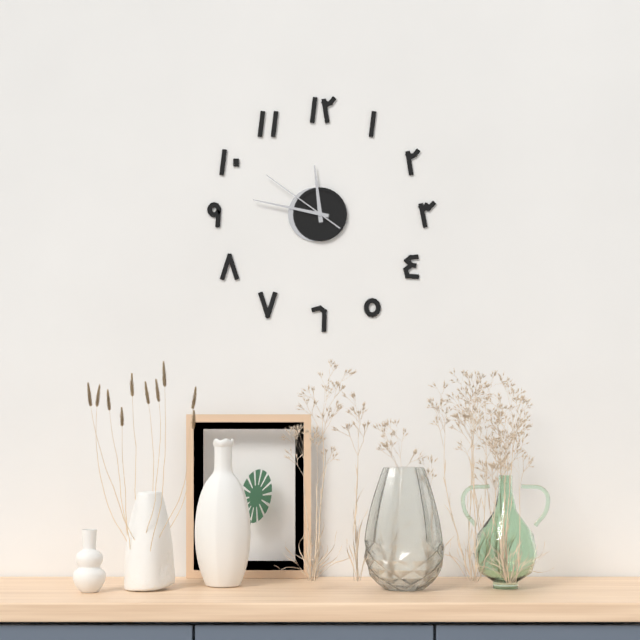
11:47:51
